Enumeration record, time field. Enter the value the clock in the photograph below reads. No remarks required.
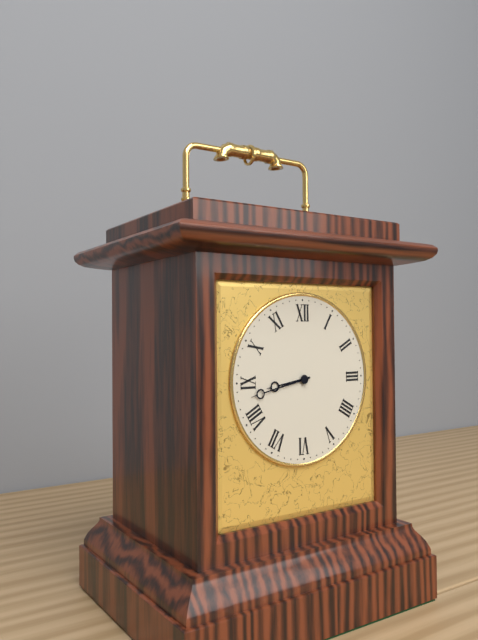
8:43
